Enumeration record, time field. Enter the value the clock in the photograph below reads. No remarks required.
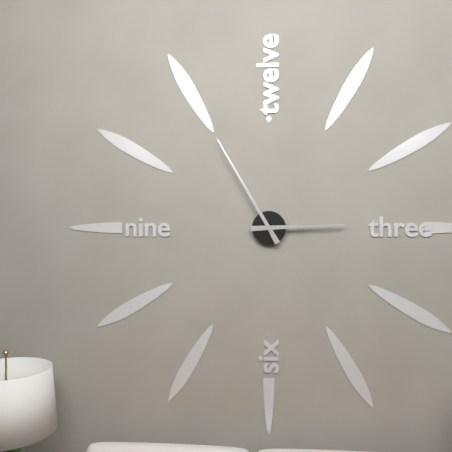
2:55
